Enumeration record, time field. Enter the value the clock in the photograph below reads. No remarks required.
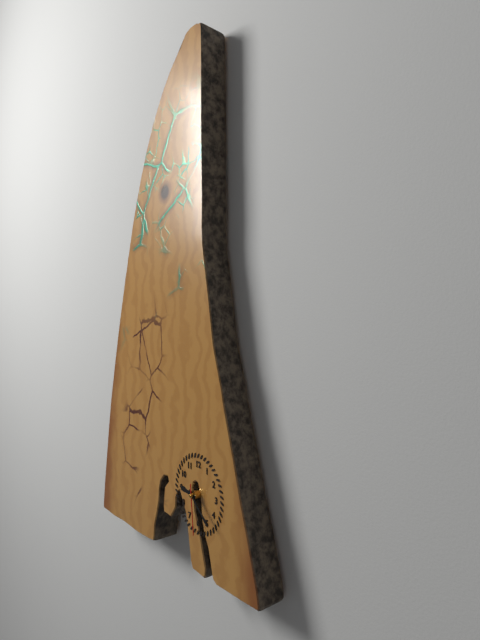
9:22
